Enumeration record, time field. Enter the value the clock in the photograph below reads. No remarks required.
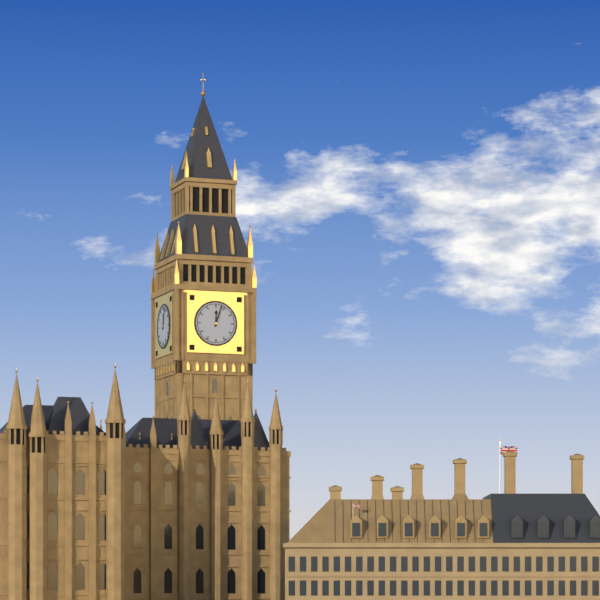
12:03
